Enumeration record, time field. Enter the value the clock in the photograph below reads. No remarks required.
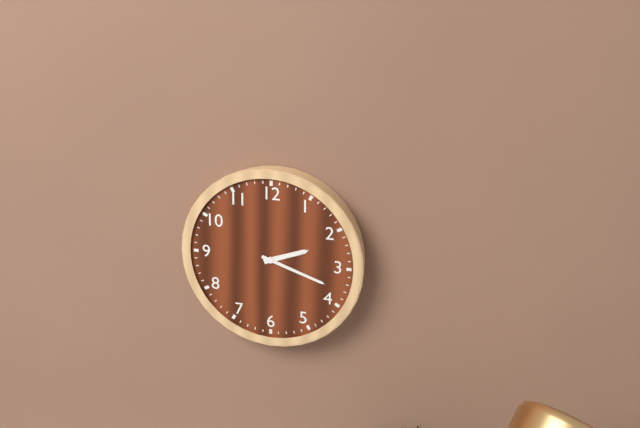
2:18
